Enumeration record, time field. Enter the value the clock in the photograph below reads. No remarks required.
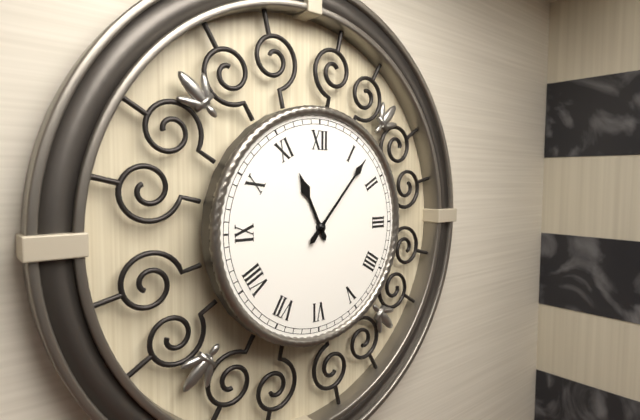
11:07
